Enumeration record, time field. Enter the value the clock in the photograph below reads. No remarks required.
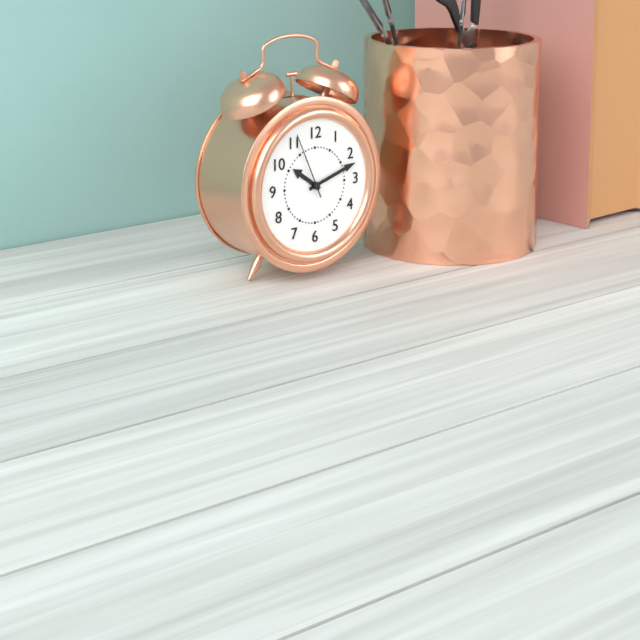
10:12:56
